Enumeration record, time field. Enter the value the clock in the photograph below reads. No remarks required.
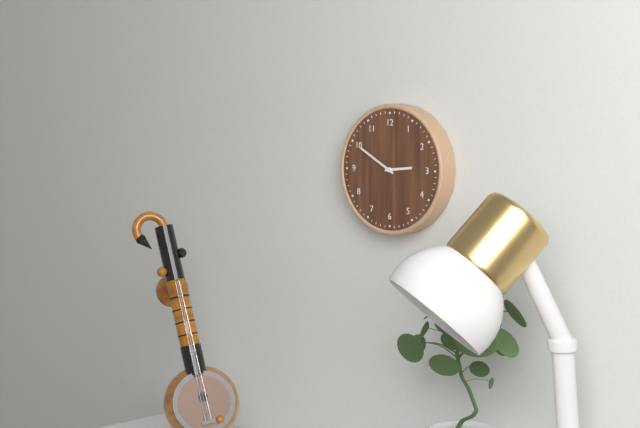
2:50
